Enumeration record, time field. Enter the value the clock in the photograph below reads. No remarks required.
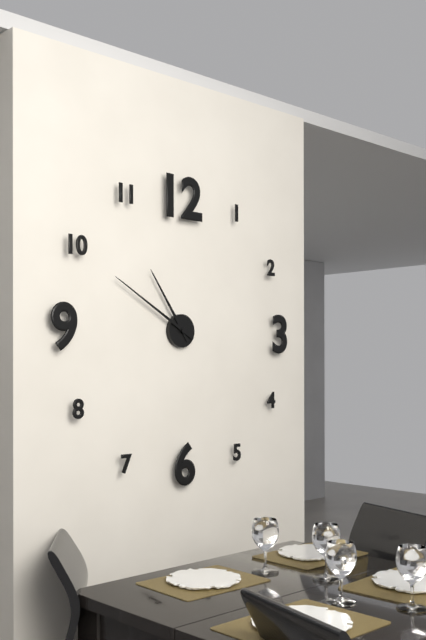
10:50
